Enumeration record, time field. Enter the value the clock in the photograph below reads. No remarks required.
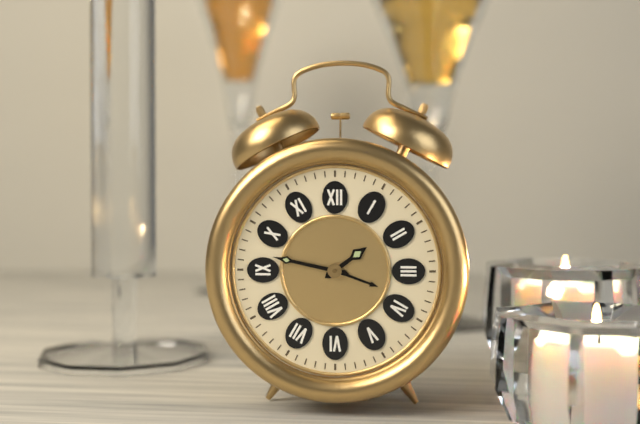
1:47
